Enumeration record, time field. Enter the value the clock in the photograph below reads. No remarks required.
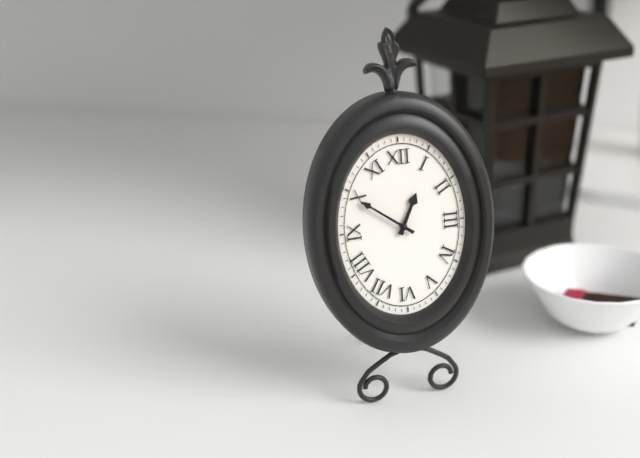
12:51
